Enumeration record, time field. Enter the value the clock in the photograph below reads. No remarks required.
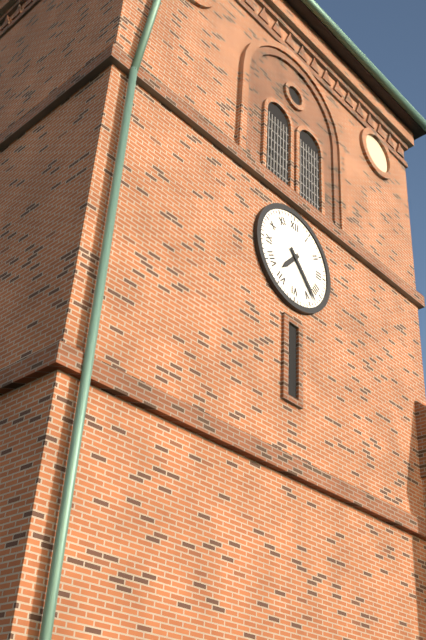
7:23
